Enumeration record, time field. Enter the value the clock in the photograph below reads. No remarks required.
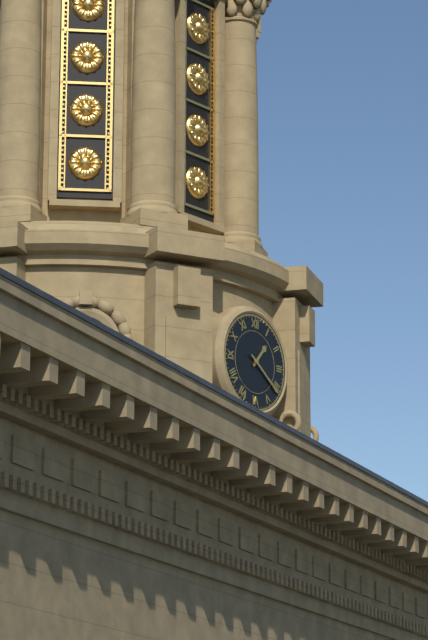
1:21
